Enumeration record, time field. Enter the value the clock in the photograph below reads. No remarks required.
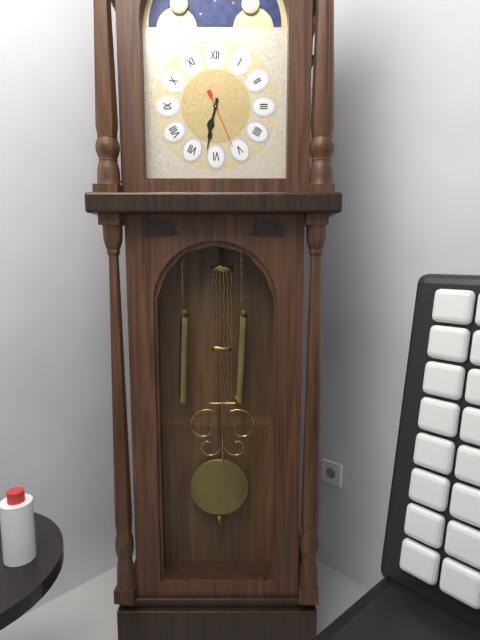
6:32:26
